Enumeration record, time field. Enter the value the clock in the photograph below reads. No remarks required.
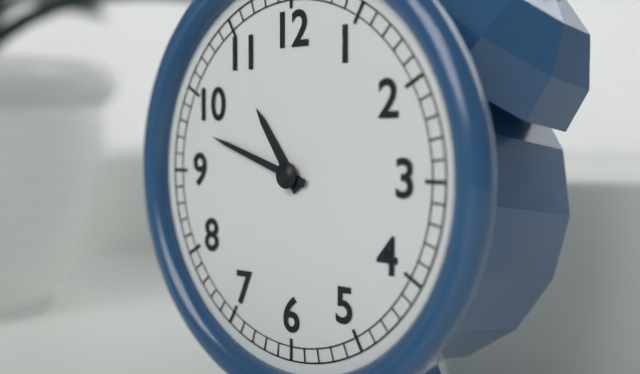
10:48
